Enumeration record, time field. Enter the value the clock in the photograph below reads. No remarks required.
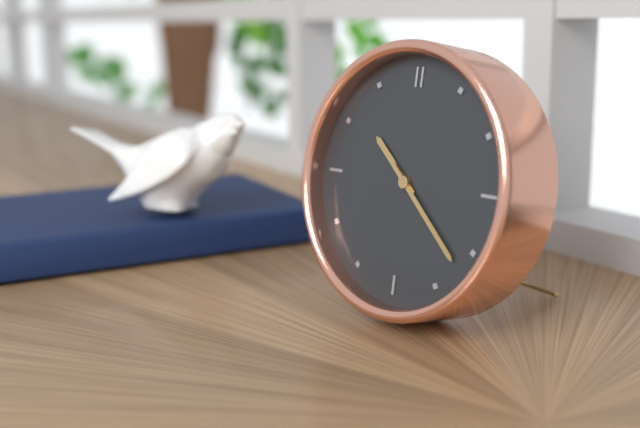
10:22
